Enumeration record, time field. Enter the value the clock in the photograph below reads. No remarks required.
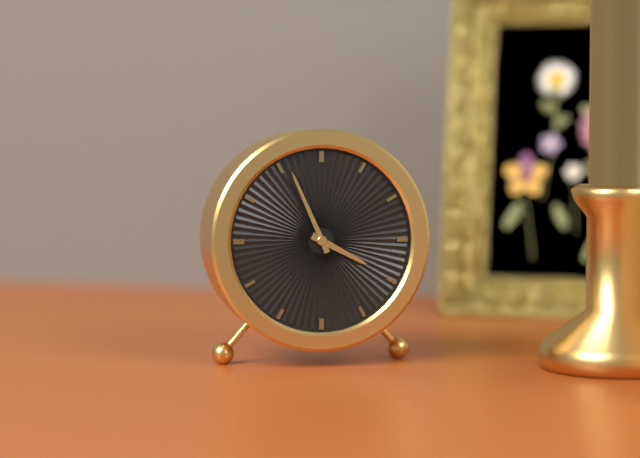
3:56
